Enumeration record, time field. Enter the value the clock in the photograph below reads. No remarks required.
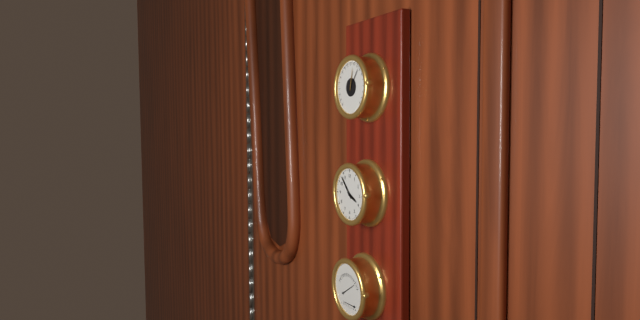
3:53
